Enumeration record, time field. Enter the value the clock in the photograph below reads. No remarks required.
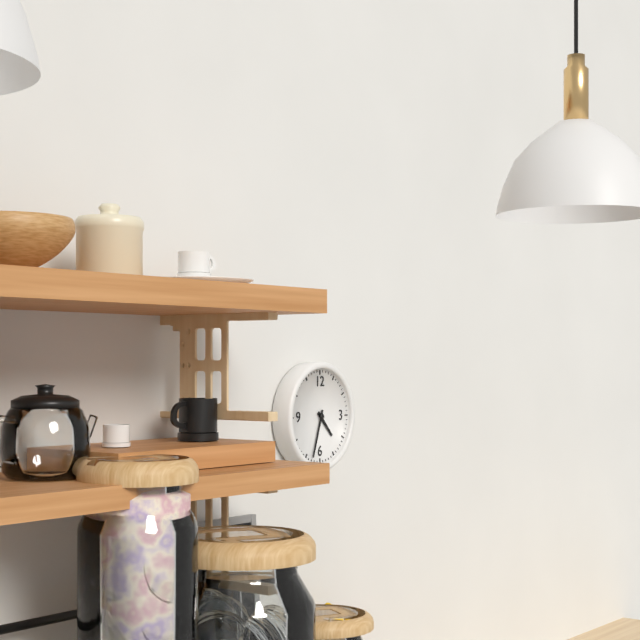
4:33
